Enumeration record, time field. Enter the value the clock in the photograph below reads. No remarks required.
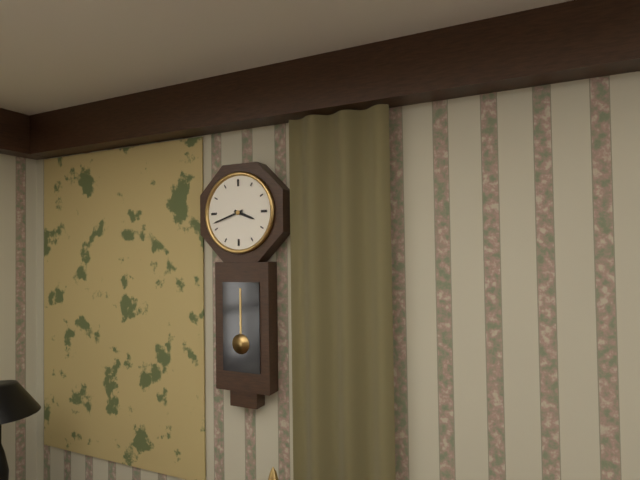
3:42
